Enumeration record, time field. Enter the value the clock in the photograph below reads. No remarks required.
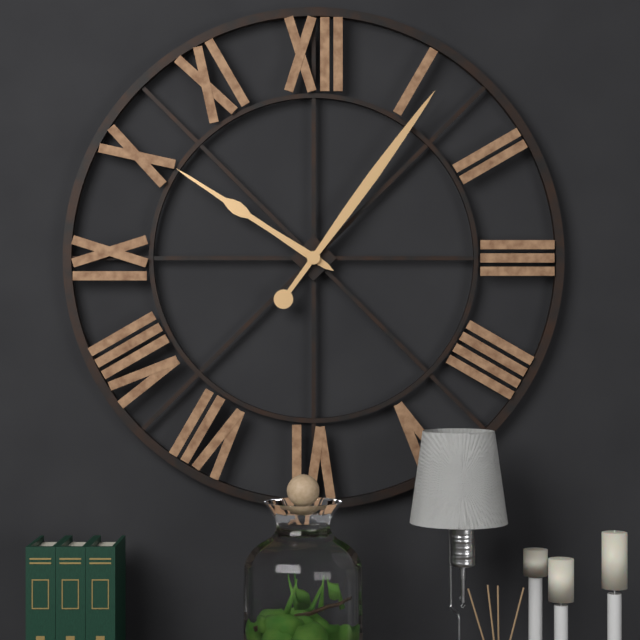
10:06
